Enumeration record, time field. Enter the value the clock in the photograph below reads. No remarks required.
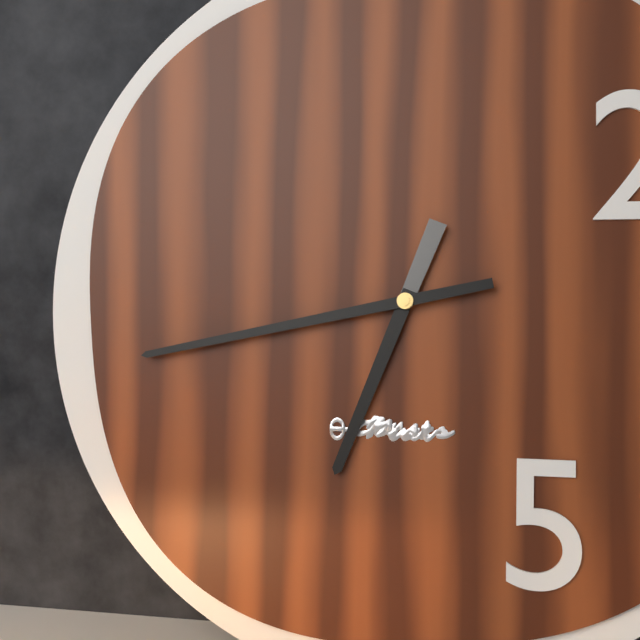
6:43
